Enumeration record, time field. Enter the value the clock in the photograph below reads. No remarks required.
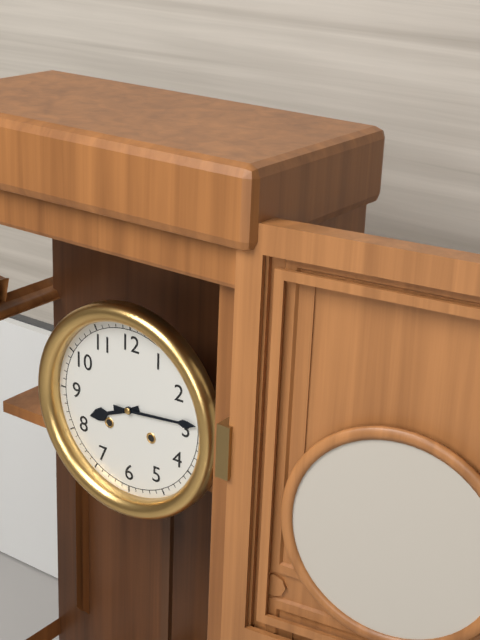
8:14
